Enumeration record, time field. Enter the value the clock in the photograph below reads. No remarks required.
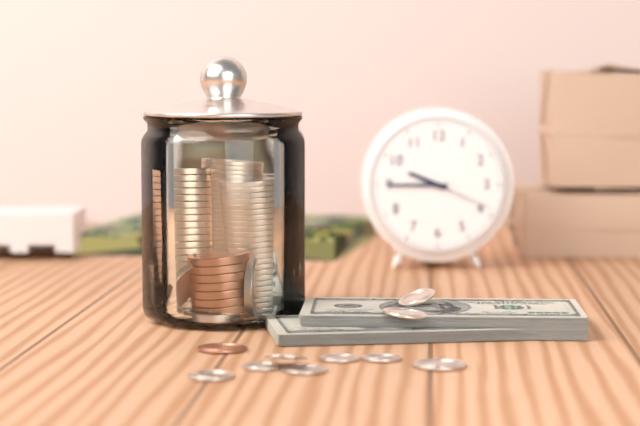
9:45:19
